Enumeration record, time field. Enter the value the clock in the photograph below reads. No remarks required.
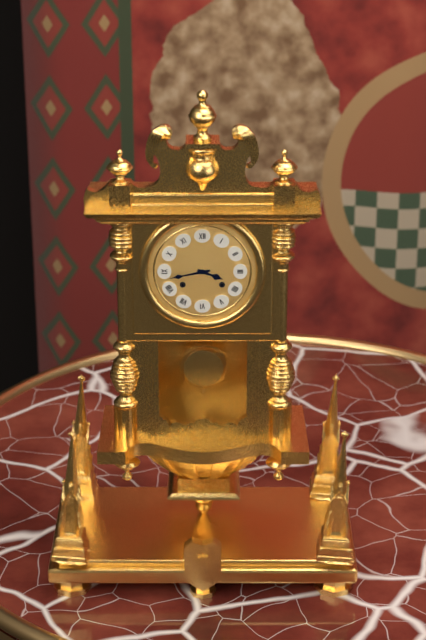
3:43
